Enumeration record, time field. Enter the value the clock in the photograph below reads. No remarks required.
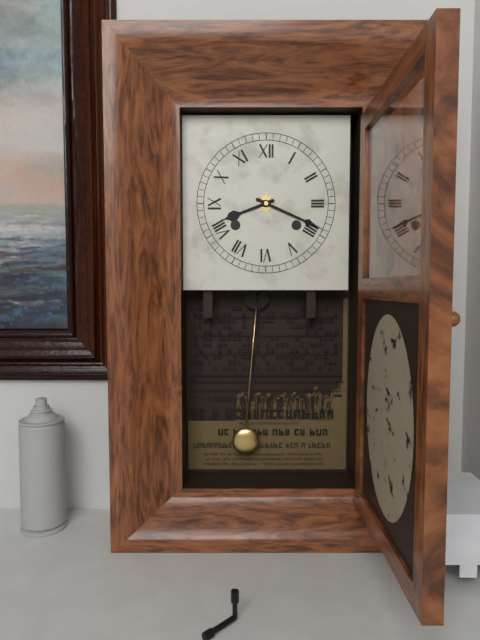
8:19
